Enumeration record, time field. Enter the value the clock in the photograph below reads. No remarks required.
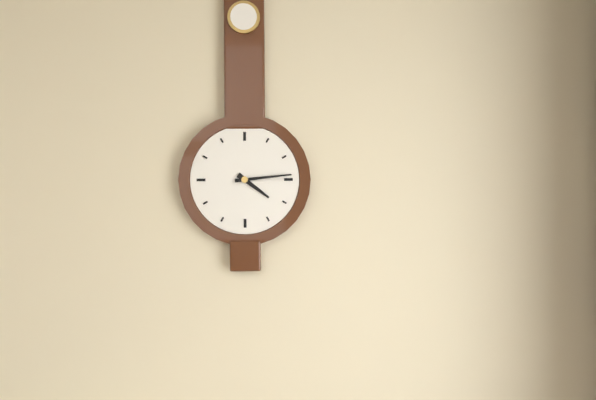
4:14
